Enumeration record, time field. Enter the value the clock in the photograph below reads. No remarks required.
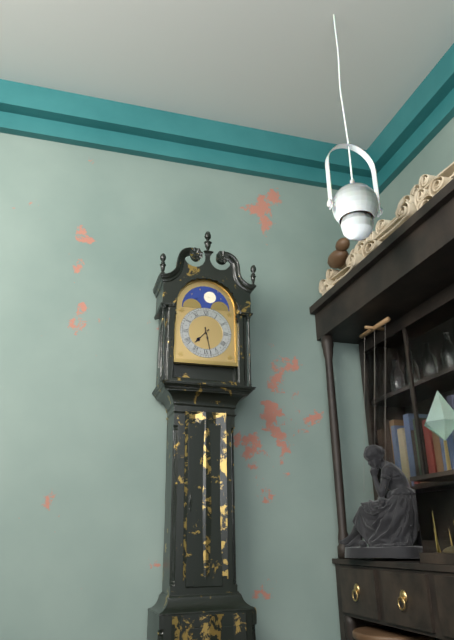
7:28
